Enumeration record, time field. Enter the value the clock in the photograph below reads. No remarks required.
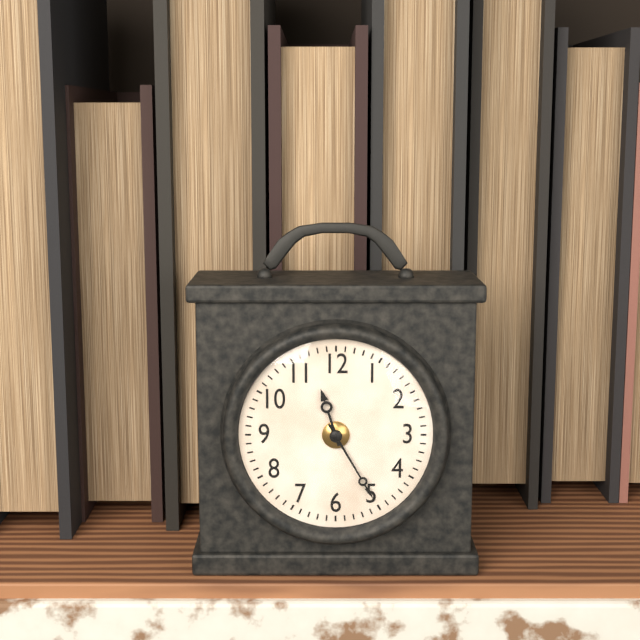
11:25
